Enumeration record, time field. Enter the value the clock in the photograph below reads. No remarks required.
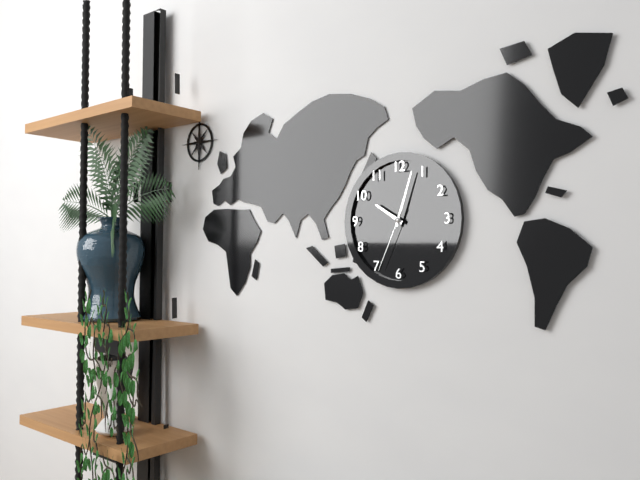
10:03:34
